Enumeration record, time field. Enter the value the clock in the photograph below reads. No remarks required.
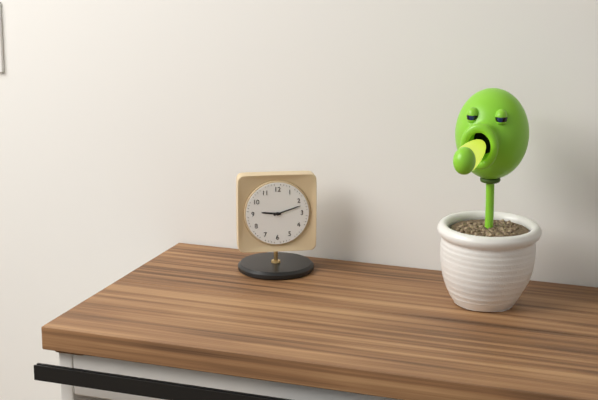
9:12
